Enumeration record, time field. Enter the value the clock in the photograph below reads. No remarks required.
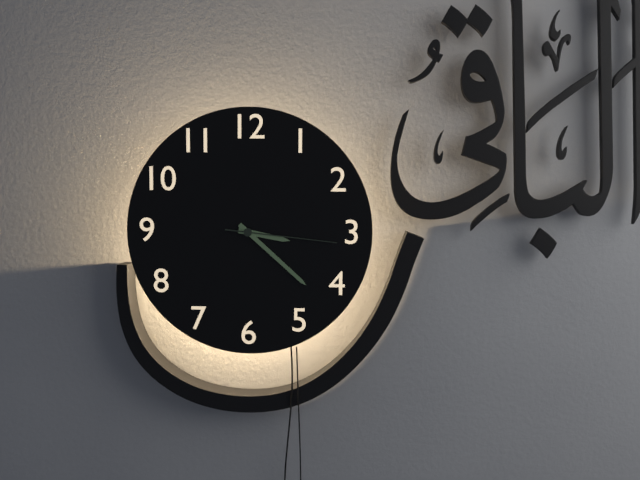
3:22:16
